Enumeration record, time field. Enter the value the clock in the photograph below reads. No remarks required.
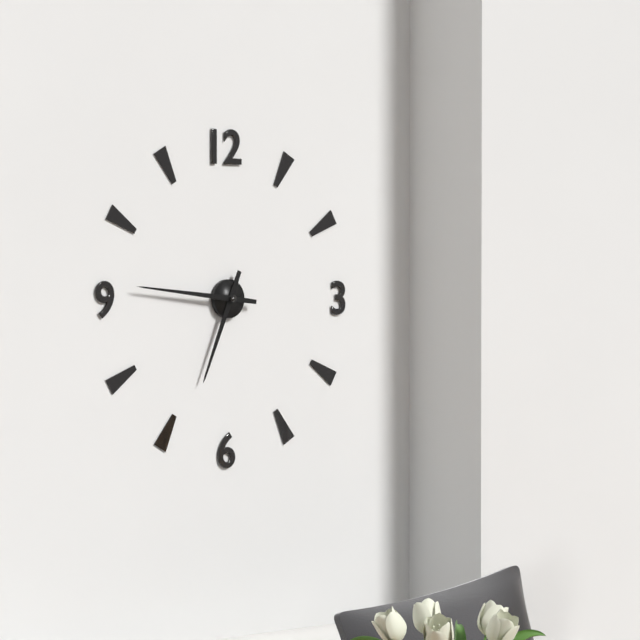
6:46
